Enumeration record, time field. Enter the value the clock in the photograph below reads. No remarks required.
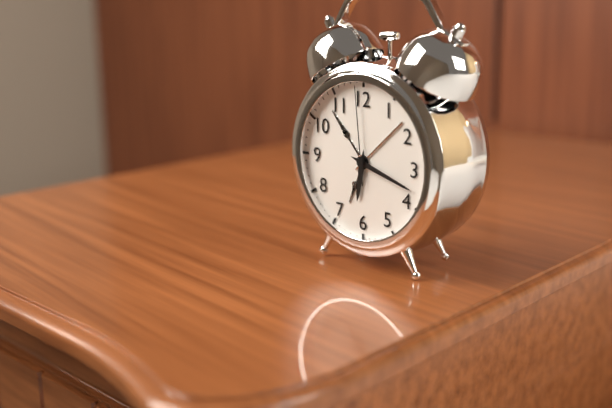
6:18:59
